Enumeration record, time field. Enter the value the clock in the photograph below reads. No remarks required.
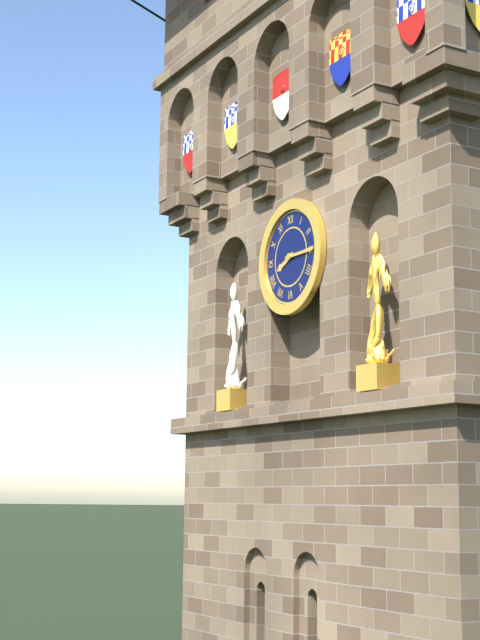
8:15
